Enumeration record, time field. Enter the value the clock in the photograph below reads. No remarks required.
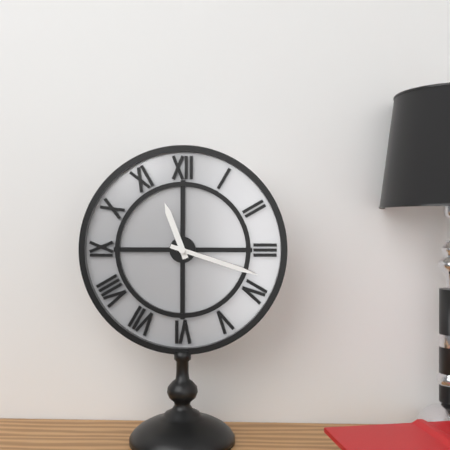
11:18
